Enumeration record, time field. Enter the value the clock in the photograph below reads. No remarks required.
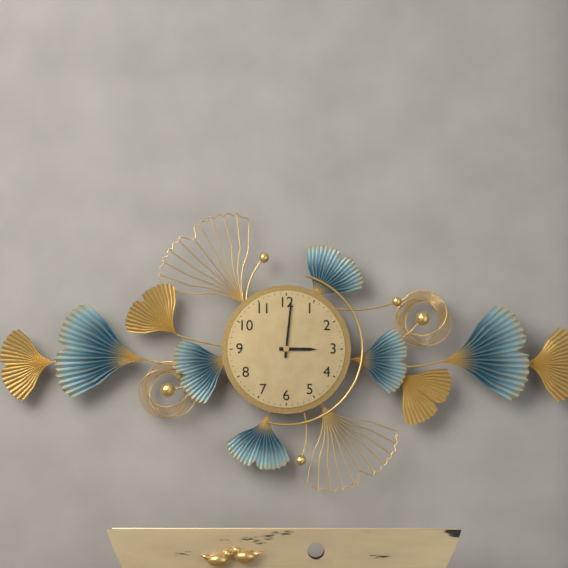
3:01
